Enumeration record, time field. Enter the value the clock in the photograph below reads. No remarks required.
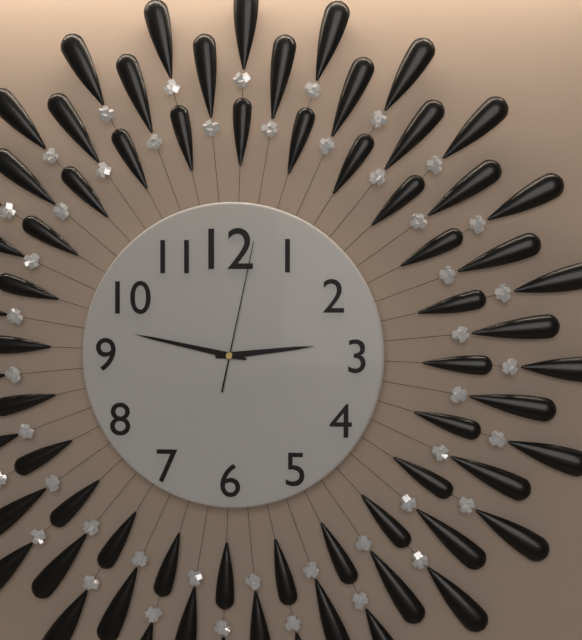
2:47:02
